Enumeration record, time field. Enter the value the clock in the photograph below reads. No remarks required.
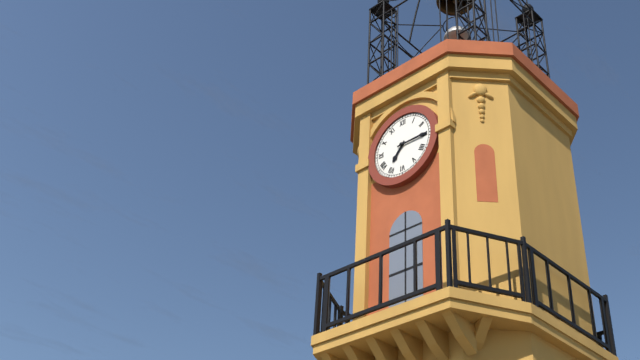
7:15
